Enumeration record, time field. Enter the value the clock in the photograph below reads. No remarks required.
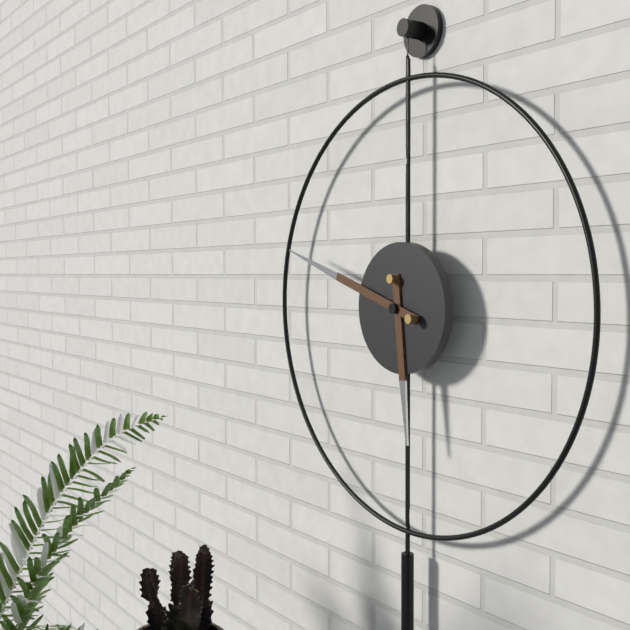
5:48
